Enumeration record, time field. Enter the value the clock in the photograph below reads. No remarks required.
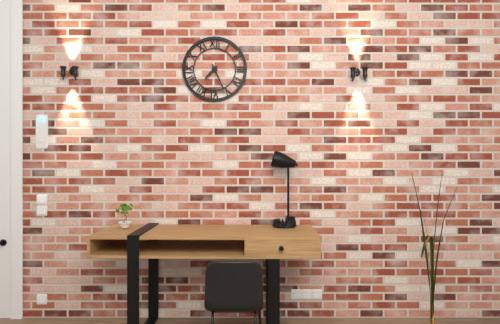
7:26
